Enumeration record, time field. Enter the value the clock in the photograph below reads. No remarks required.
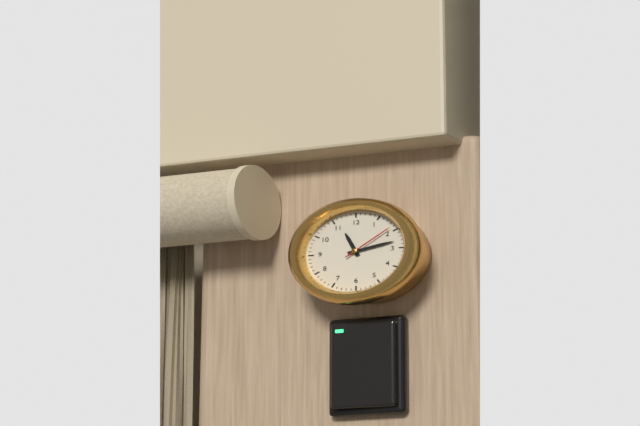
11:13:09
